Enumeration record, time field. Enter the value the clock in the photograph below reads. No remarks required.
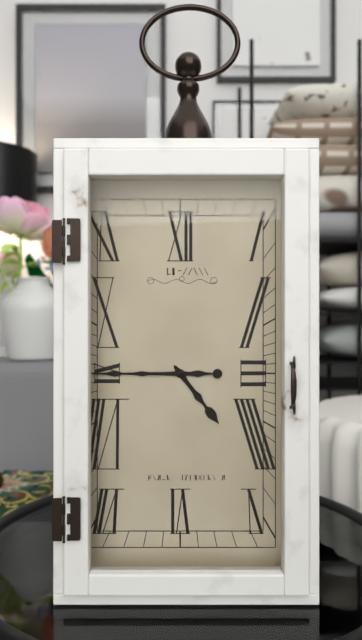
4:45
